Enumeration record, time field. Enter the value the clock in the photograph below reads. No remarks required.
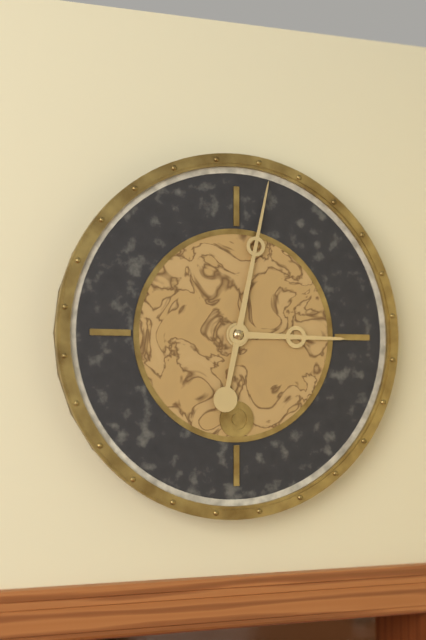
3:02
